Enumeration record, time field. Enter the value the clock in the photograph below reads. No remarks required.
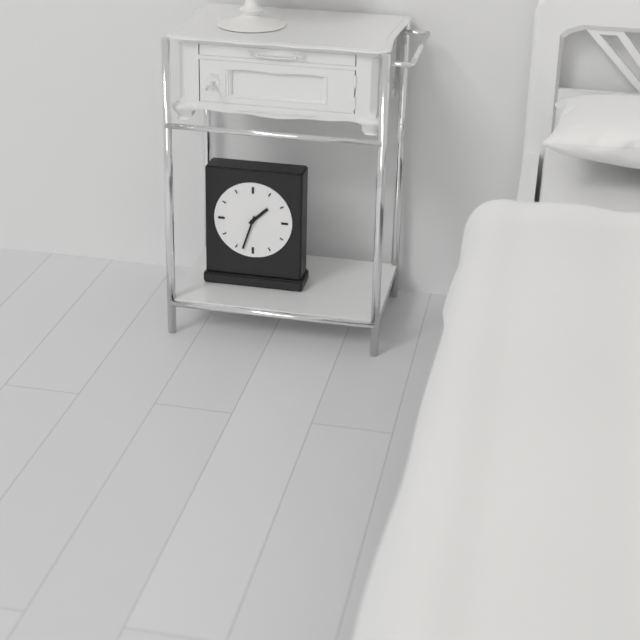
1:33
